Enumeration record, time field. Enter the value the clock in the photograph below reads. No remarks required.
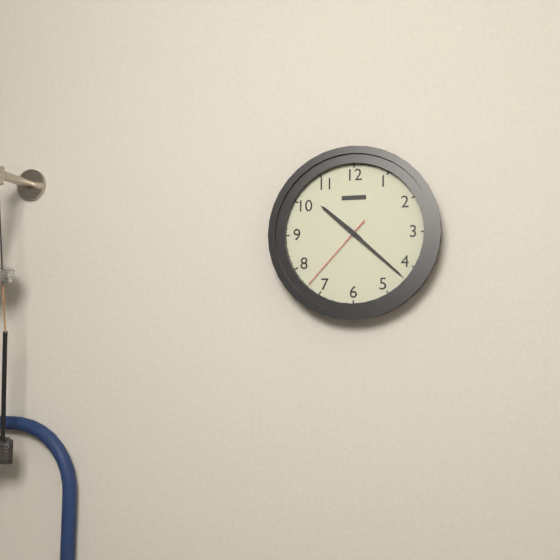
10:22:37
